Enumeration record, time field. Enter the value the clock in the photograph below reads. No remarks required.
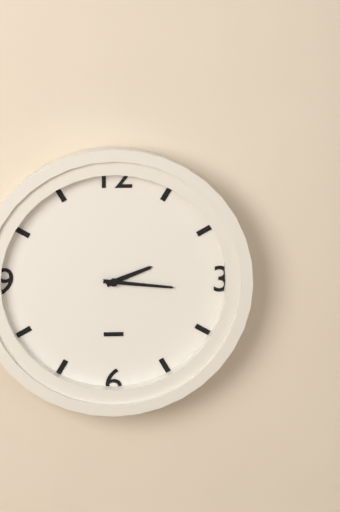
2:16
